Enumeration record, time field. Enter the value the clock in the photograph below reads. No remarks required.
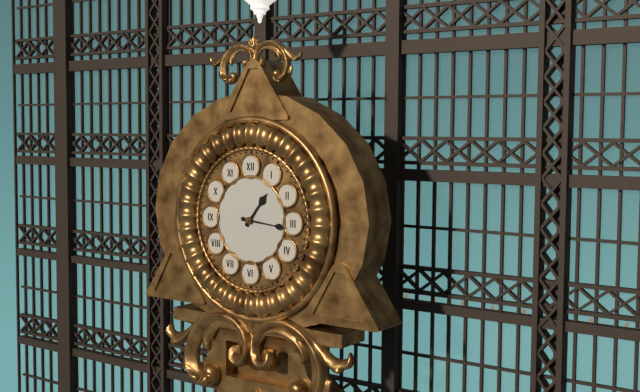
1:16
